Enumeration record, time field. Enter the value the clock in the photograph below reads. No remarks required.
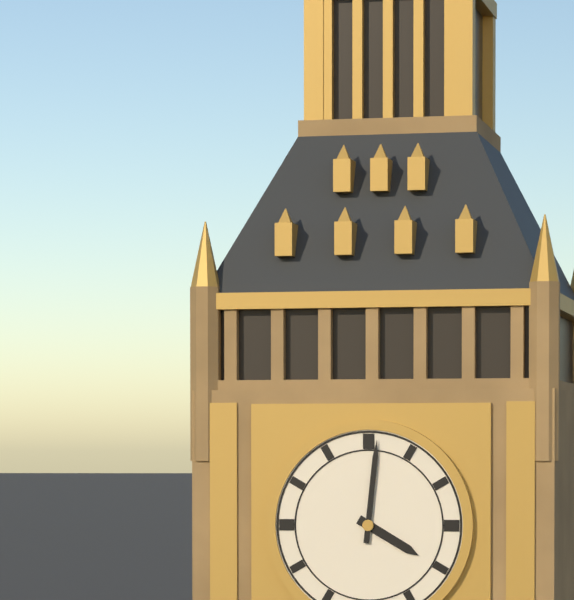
4:01
